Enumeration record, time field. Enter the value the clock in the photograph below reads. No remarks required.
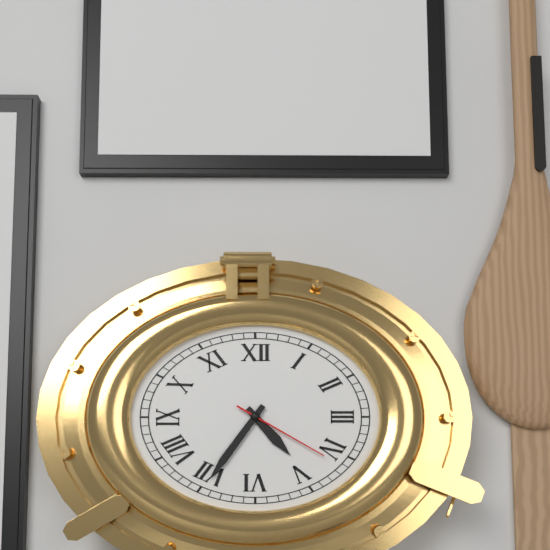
4:36:20
